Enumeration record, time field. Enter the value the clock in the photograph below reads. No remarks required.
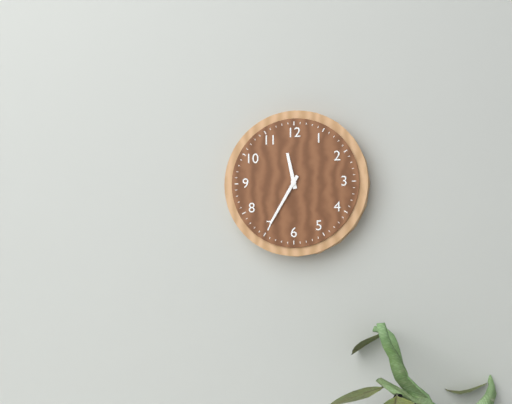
11:35
